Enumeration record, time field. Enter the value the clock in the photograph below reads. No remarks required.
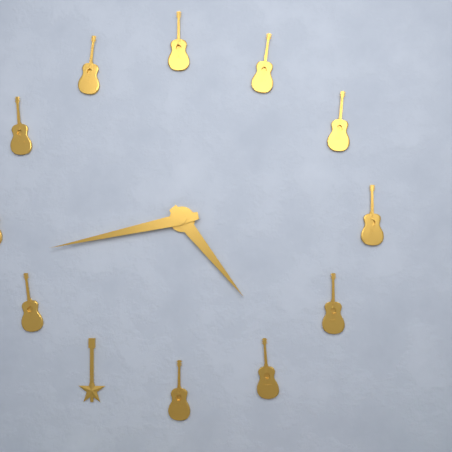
4:43
